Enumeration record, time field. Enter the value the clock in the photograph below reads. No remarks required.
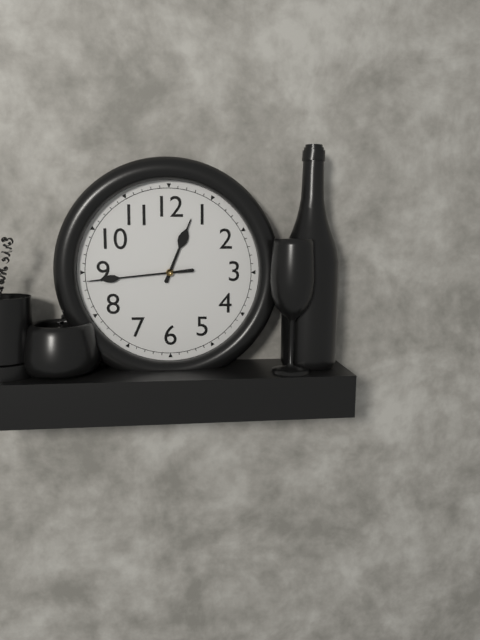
12:44
